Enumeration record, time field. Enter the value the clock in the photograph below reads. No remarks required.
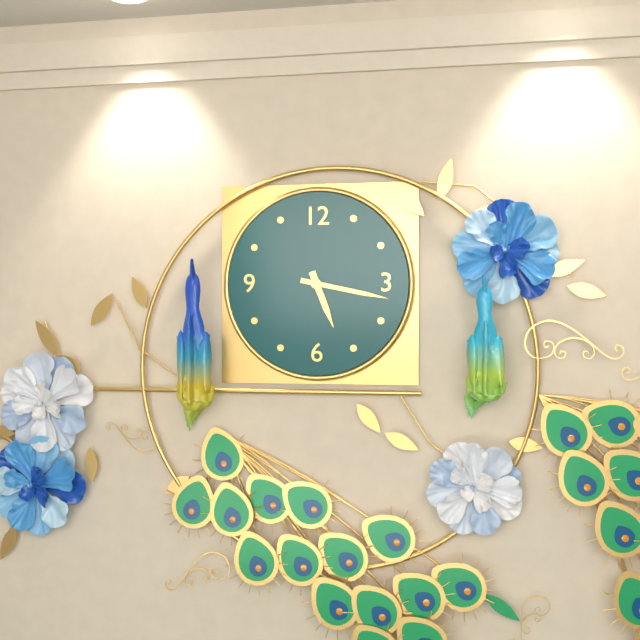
5:17
